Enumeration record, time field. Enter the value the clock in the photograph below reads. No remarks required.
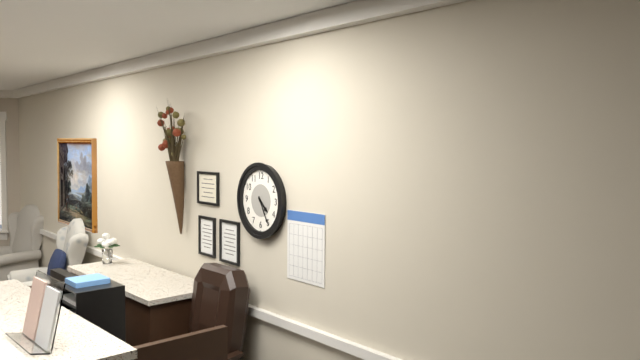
4:25
